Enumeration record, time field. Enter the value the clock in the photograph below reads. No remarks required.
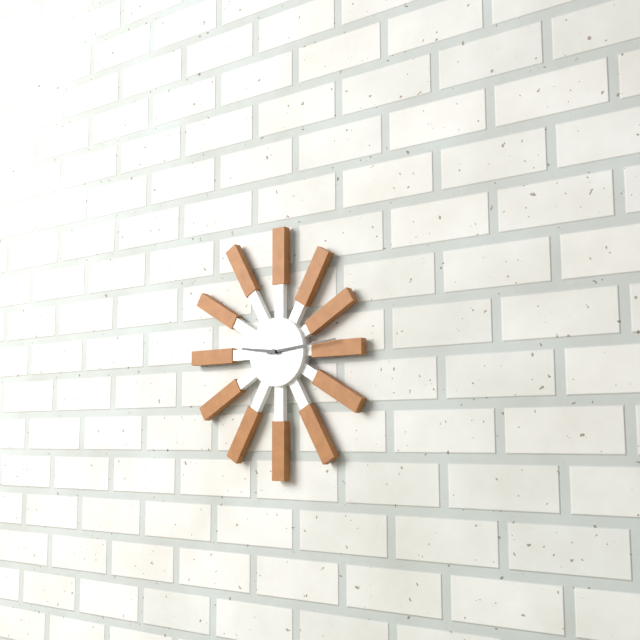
9:14
